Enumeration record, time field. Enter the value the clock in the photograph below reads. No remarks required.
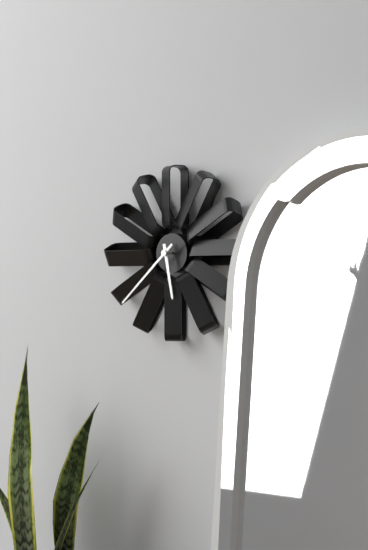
5:38
